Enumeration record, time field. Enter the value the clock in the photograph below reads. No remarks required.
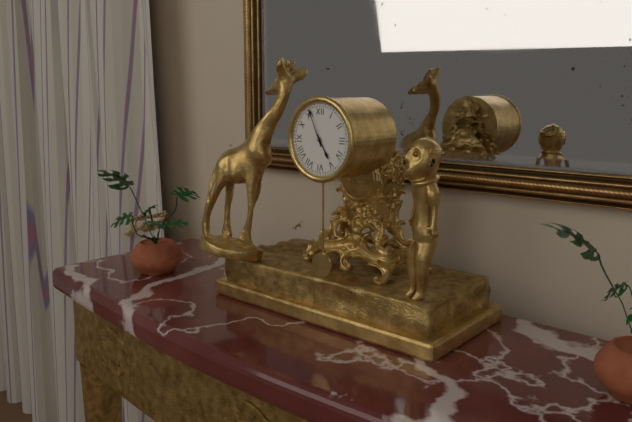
4:56
